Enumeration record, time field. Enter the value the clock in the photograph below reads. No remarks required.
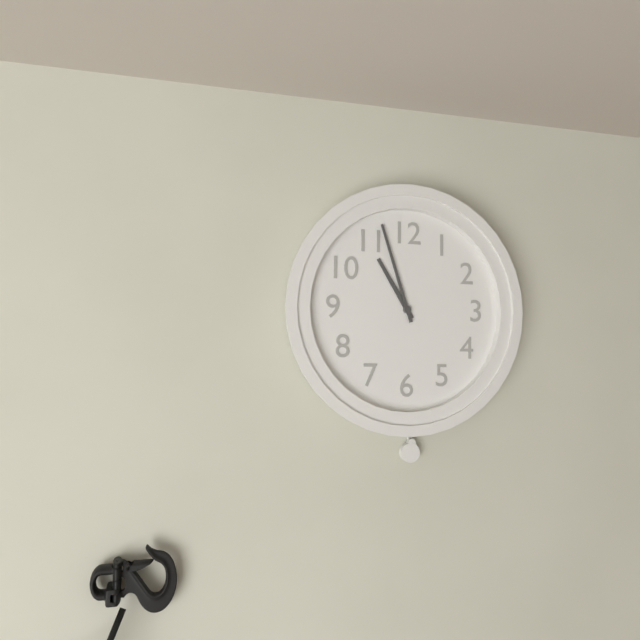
10:57
